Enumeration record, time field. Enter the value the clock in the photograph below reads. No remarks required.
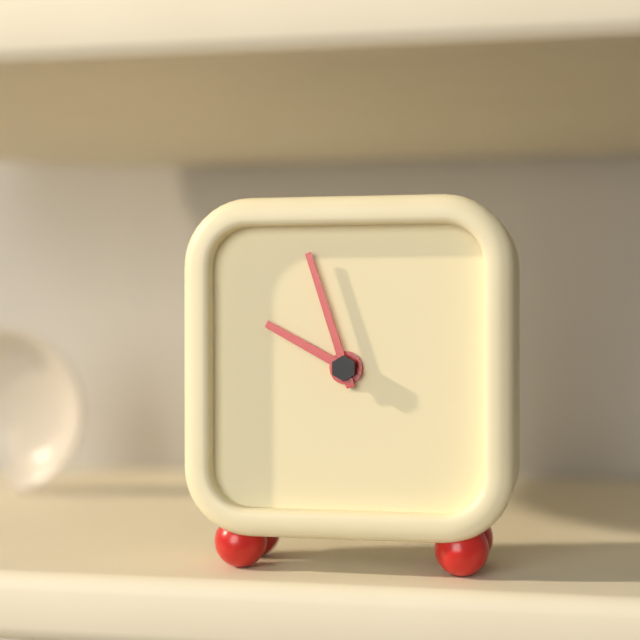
9:57
